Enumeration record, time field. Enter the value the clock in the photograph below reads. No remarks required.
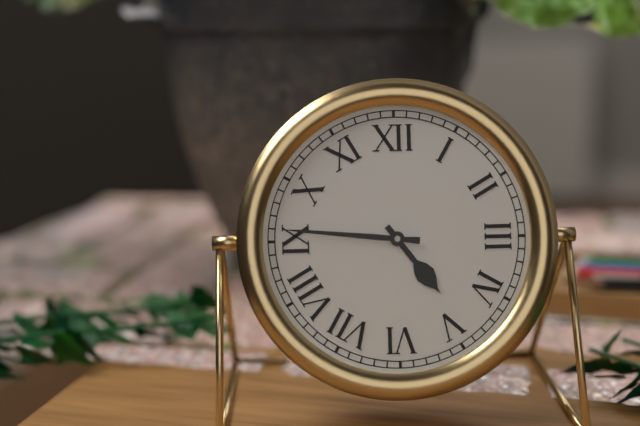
4:46
